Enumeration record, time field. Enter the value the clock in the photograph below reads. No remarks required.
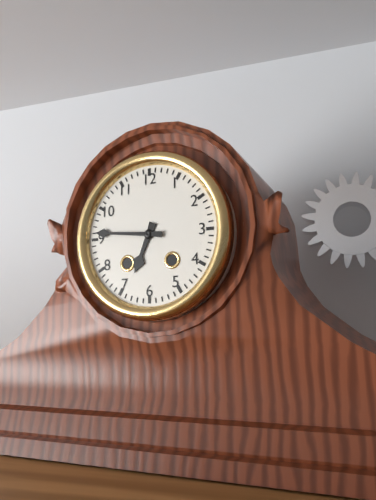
6:46
